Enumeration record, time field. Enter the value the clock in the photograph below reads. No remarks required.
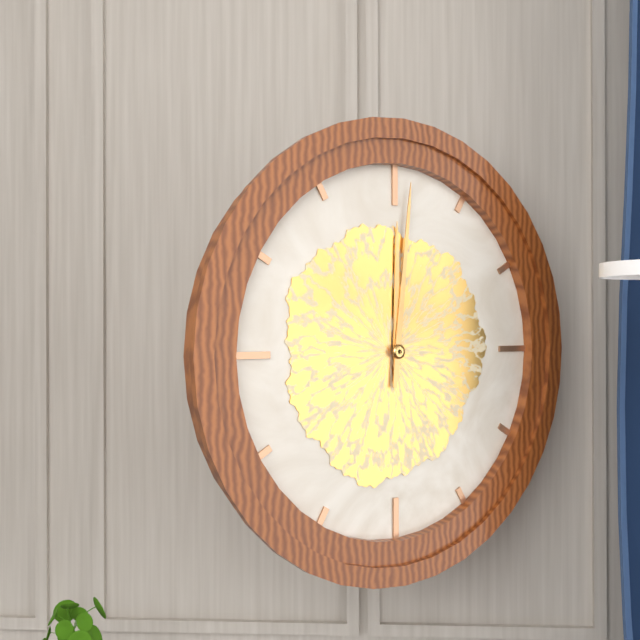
12:01
